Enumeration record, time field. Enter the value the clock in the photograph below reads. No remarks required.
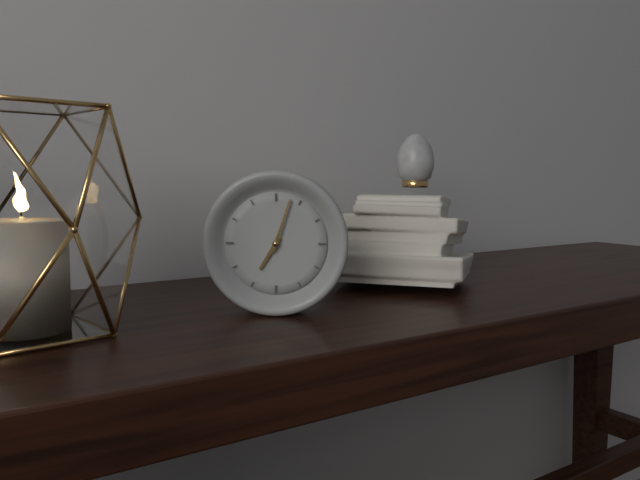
7:03
